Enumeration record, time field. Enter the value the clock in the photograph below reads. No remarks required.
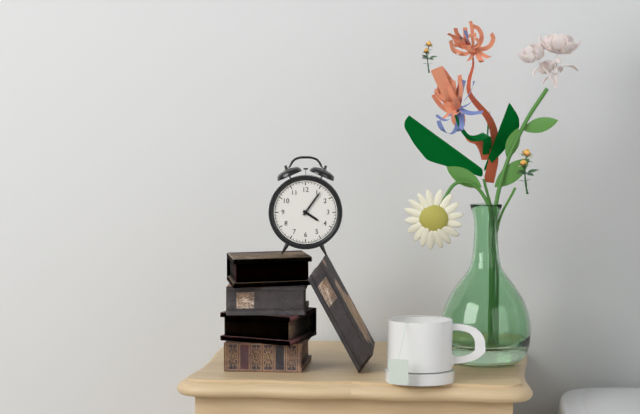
4:06
